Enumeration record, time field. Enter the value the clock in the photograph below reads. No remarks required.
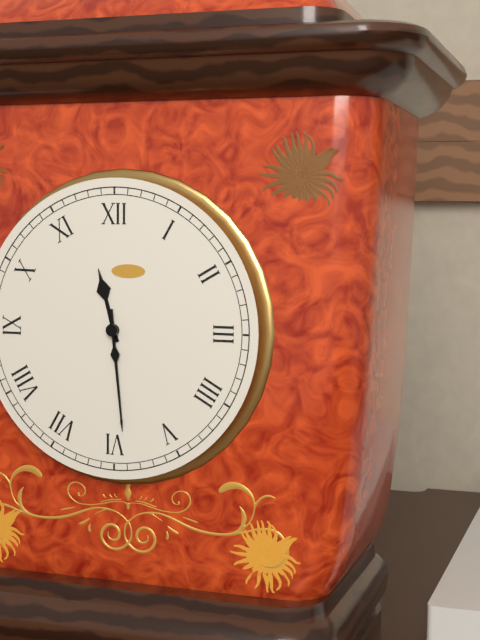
11:29
